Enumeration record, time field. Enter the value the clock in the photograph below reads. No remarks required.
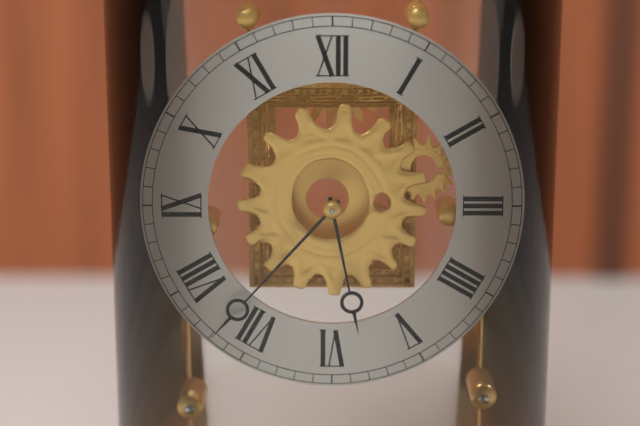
5:37
